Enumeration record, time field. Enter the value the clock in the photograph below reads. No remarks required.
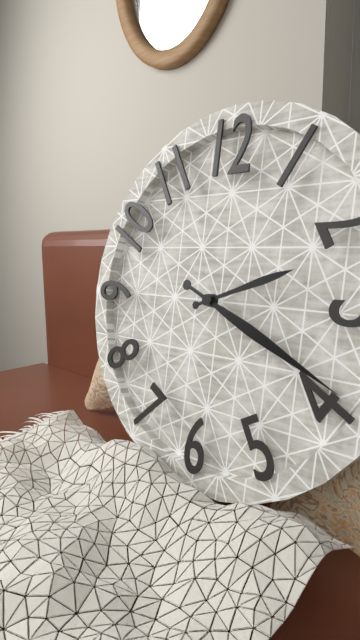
2:19
